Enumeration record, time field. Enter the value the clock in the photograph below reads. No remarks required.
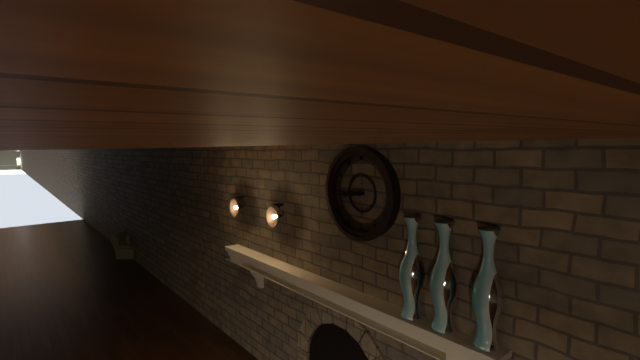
8:44
